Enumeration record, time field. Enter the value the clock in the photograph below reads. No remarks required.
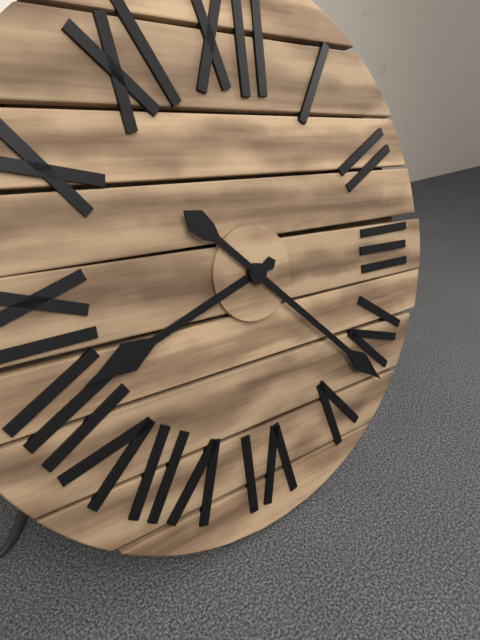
8:22
